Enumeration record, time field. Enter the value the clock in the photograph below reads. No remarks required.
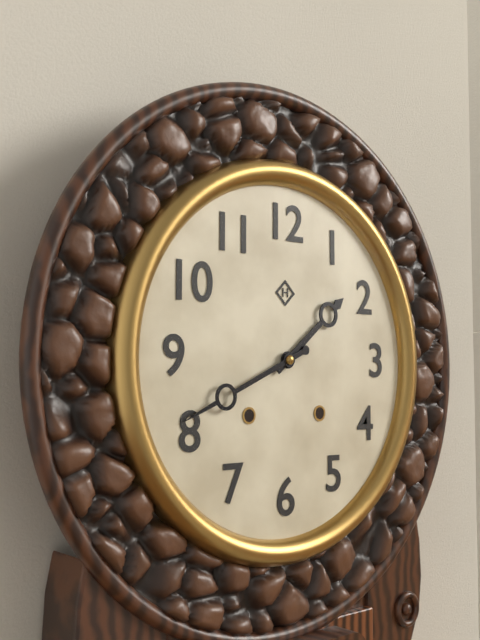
1:41
